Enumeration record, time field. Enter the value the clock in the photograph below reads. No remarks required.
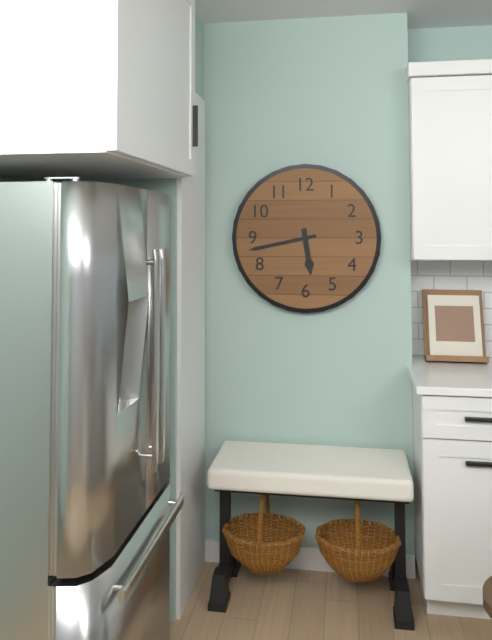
5:43
